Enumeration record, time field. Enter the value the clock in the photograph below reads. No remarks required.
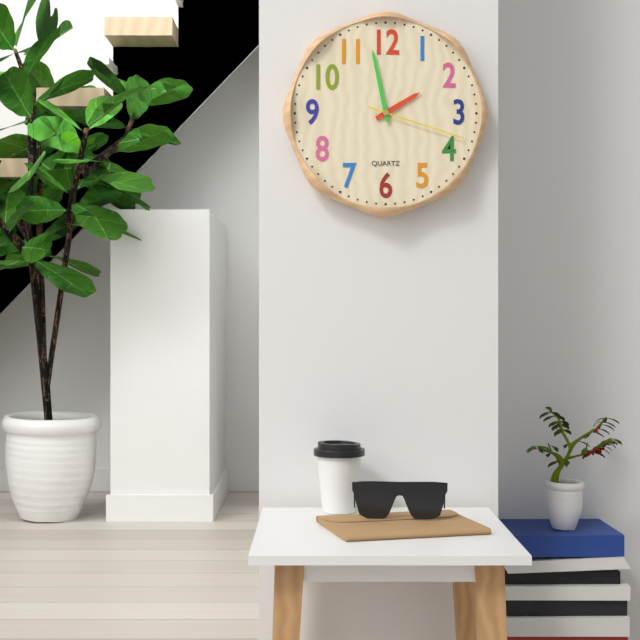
1:58:18
